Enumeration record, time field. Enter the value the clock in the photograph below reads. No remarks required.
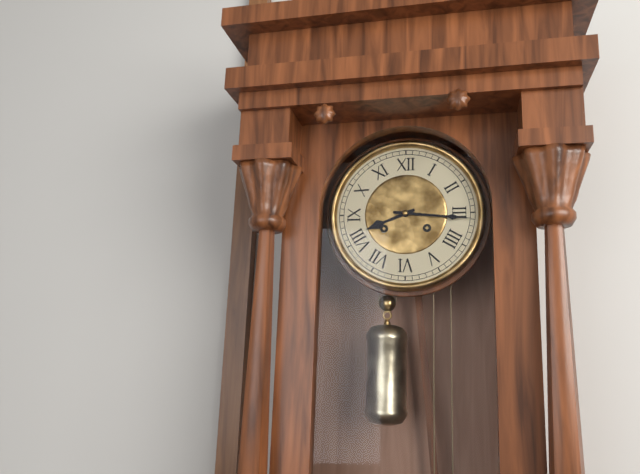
8:16
